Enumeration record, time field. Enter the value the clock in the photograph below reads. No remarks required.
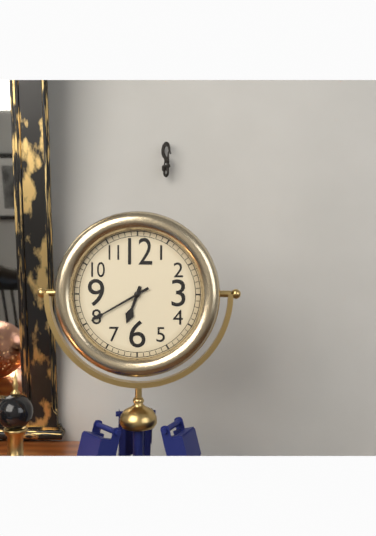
6:40
